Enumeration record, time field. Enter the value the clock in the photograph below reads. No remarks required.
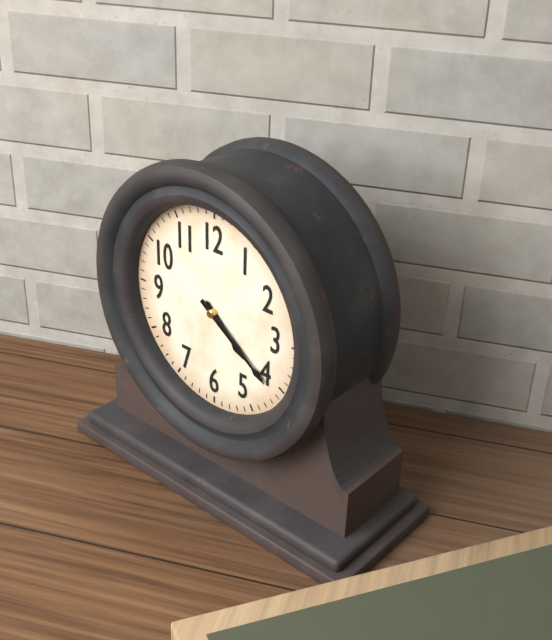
4:21
